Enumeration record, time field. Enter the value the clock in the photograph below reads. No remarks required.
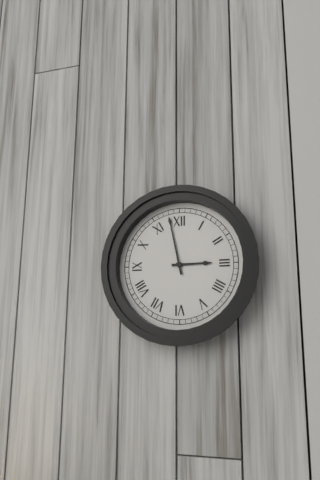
2:58
